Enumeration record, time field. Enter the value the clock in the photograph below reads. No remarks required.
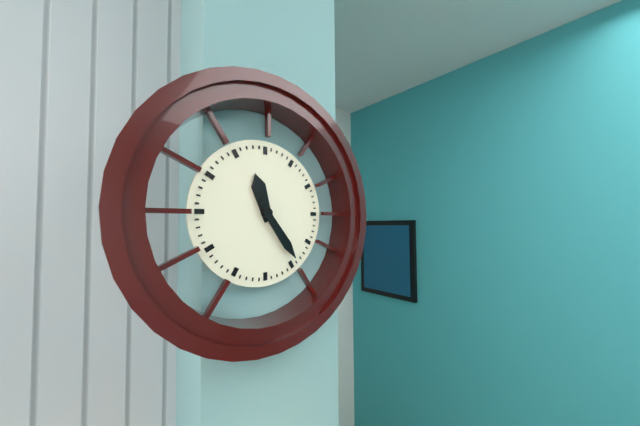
11:24
